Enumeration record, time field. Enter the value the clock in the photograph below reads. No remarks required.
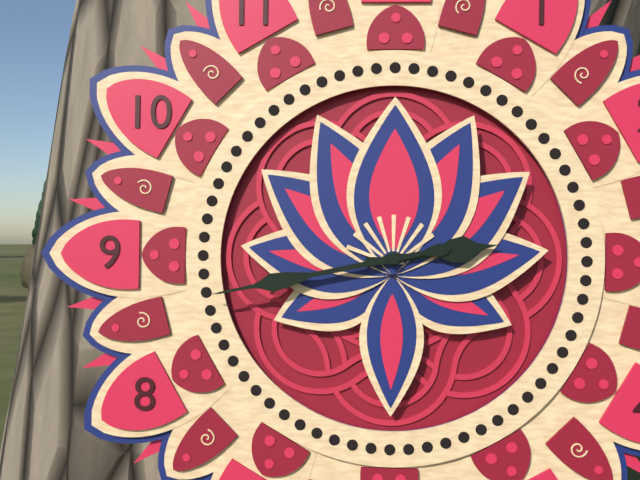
2:43
